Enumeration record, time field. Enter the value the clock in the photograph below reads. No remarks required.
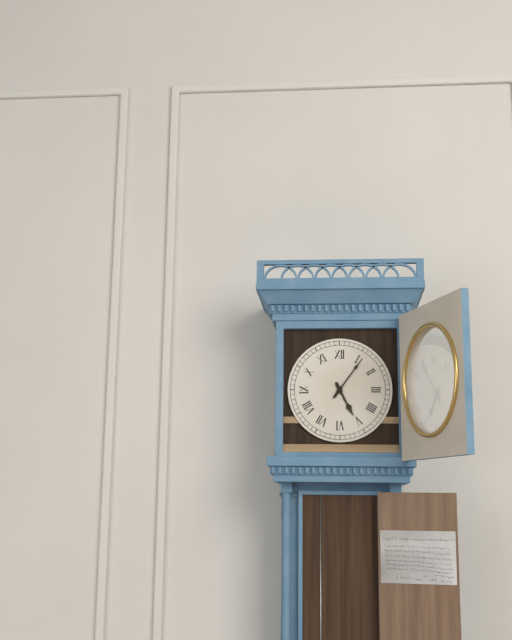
5:06
